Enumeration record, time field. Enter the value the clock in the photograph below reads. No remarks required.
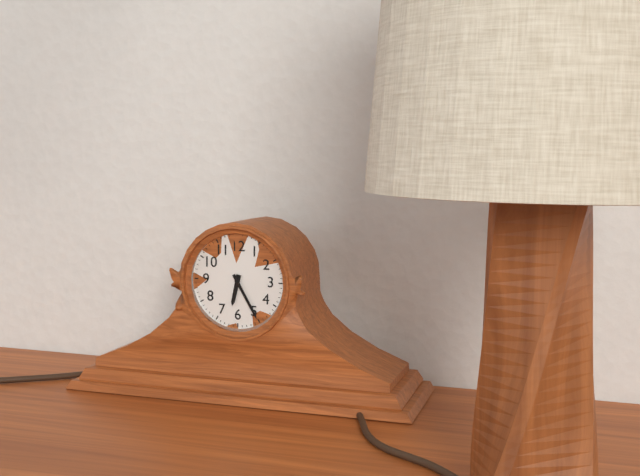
6:25
